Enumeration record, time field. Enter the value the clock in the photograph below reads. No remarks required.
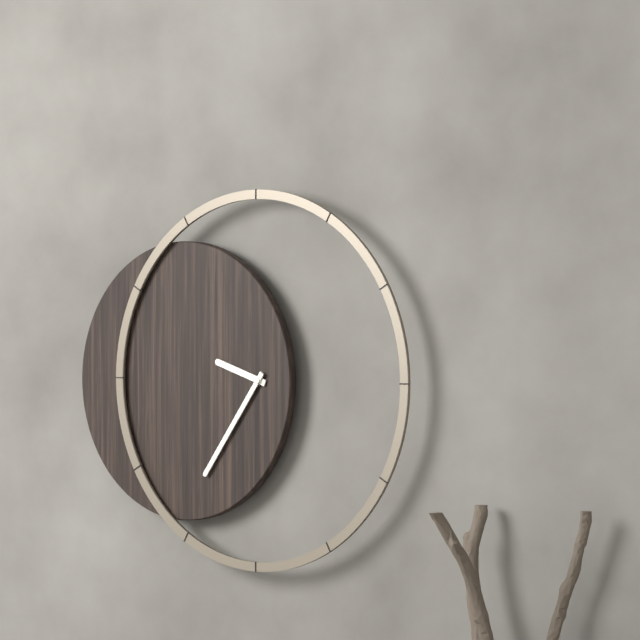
9:36
